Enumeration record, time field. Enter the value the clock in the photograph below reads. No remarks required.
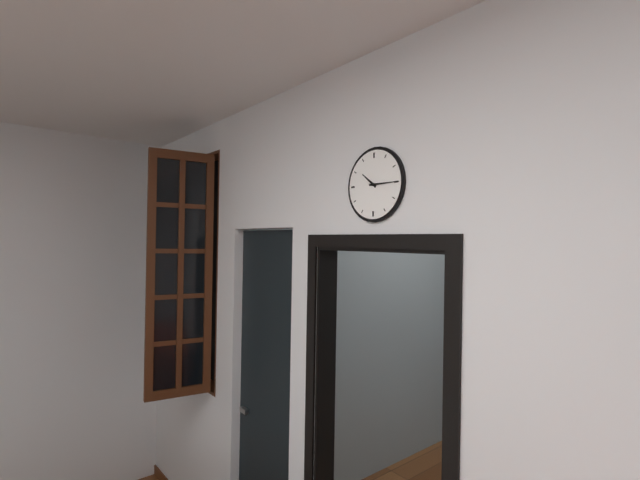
10:15
